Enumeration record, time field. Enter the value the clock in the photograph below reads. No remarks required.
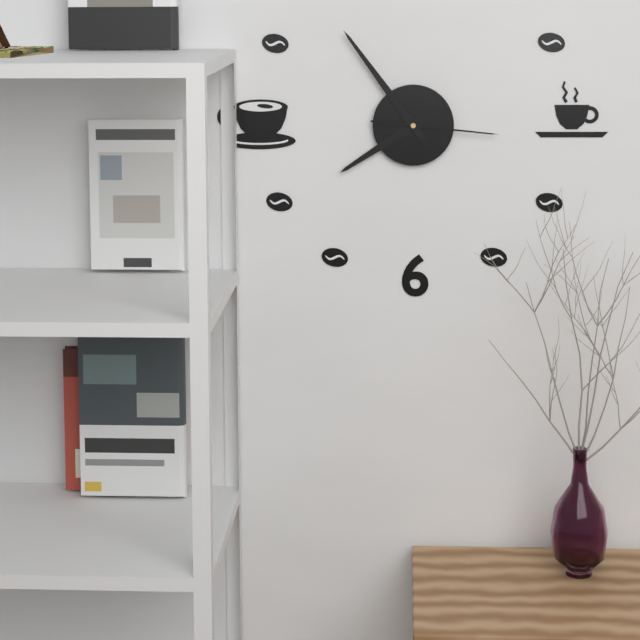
7:54:16
